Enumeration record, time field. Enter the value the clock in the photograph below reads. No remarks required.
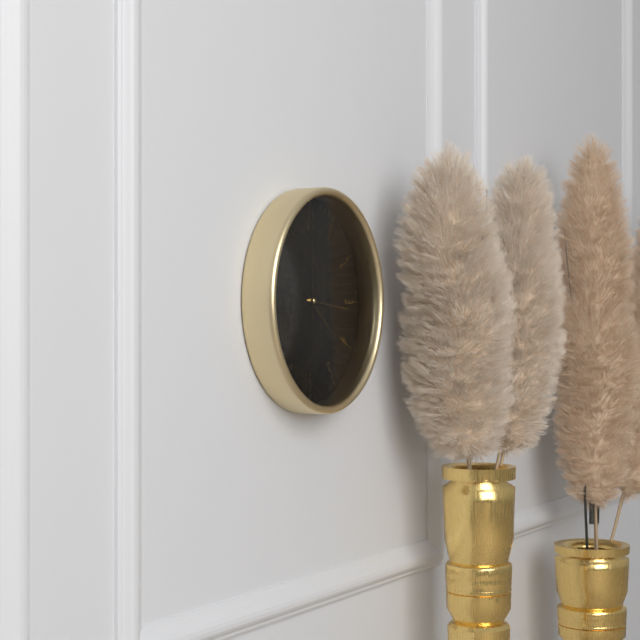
4:16:00
